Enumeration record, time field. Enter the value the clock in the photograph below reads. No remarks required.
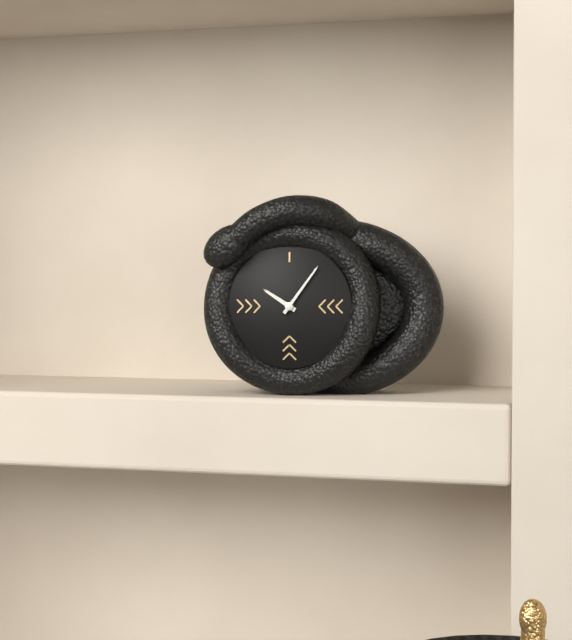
10:06
